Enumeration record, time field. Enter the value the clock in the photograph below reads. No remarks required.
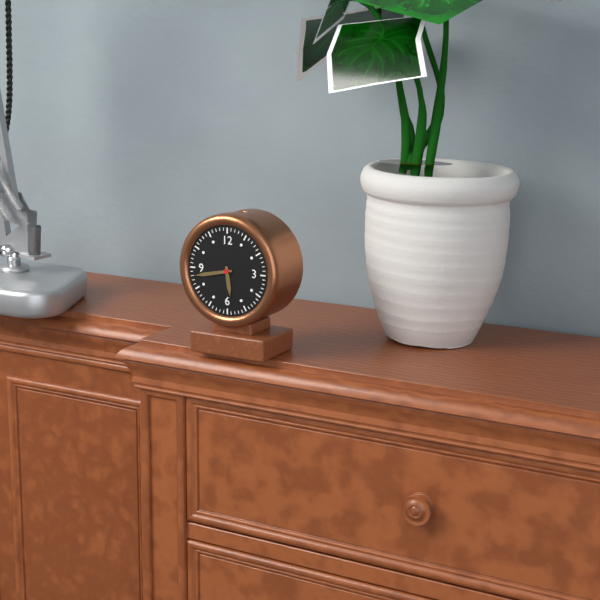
5:43
